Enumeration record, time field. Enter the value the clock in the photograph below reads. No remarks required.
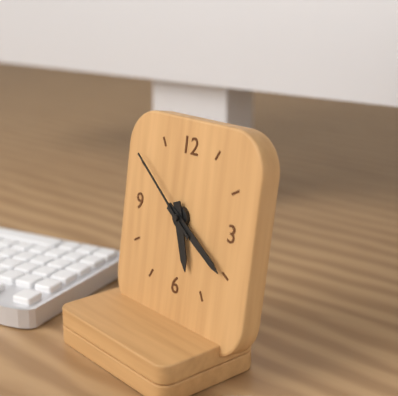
5:20:51
